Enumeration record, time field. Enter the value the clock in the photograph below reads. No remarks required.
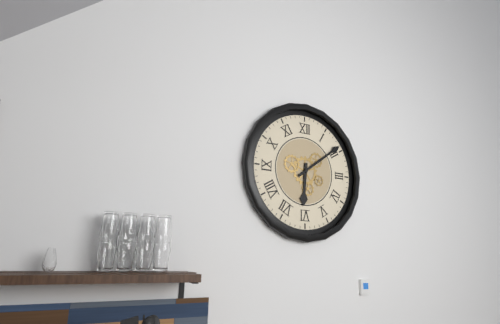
6:09
